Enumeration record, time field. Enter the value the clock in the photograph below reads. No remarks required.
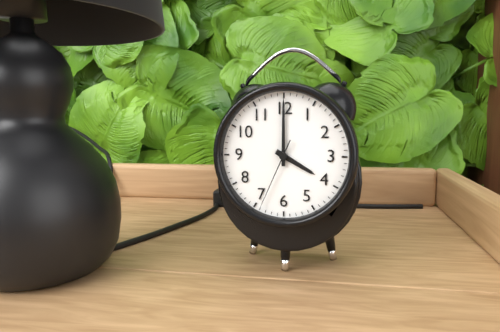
4:00:34
